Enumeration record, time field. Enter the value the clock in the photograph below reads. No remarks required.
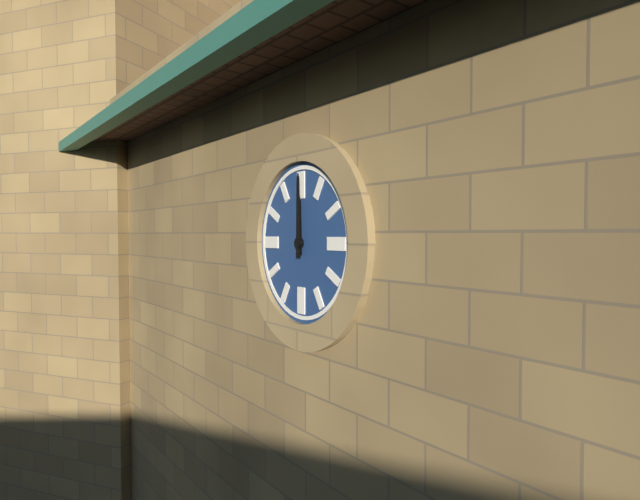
12:00
